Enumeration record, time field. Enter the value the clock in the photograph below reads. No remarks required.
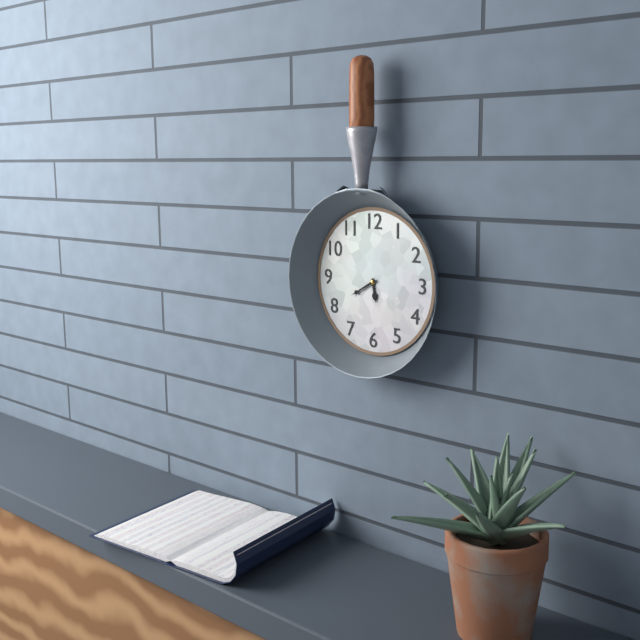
5:40
